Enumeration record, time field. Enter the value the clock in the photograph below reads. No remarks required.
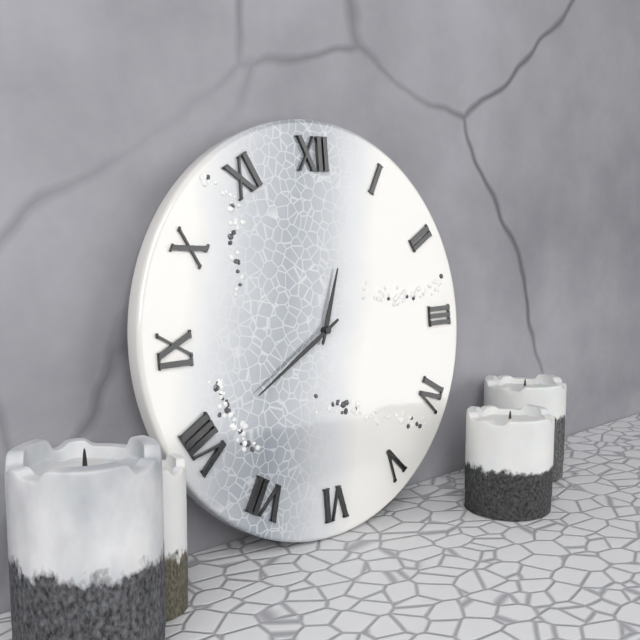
12:40
